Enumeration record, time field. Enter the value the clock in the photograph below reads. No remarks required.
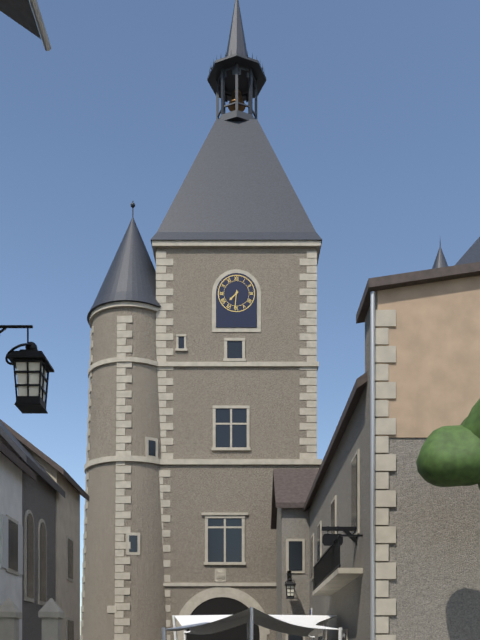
7:31
